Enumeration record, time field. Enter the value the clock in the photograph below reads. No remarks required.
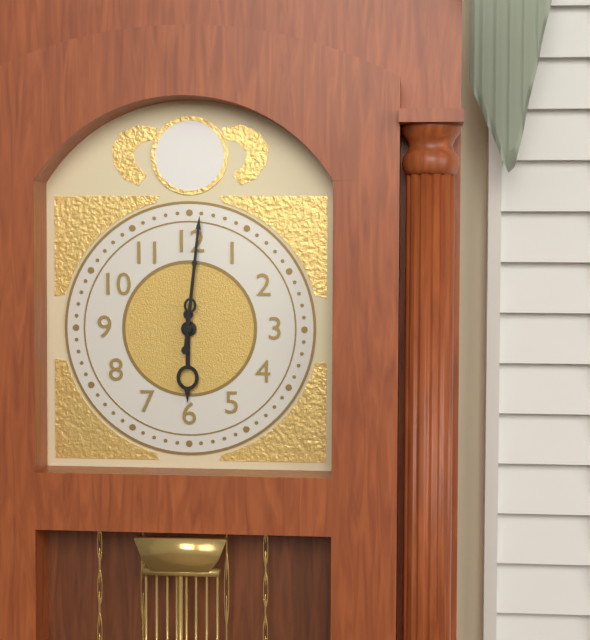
6:01
